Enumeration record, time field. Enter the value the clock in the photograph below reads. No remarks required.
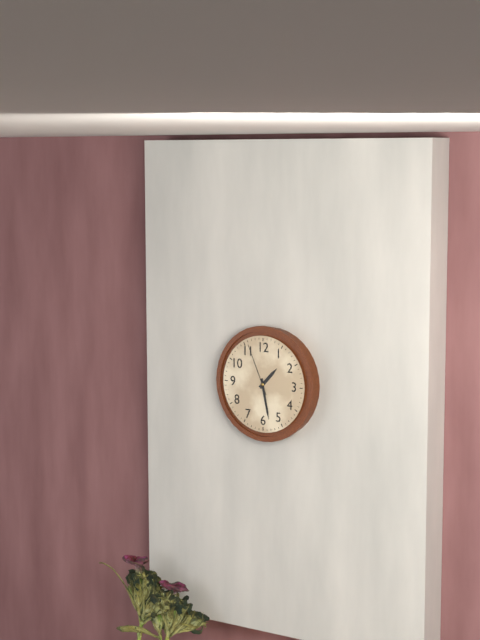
1:28:56
